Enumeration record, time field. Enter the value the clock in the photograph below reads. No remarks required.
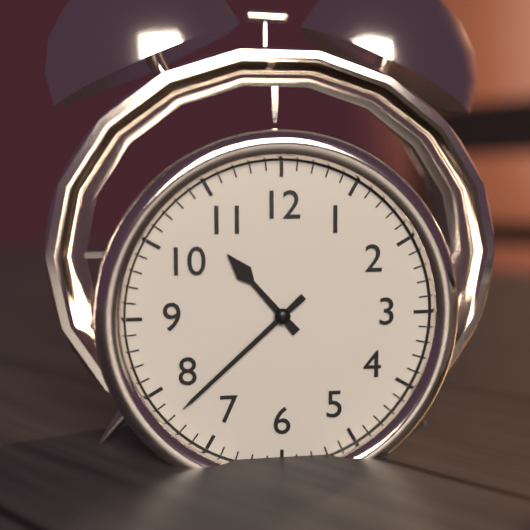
10:38
